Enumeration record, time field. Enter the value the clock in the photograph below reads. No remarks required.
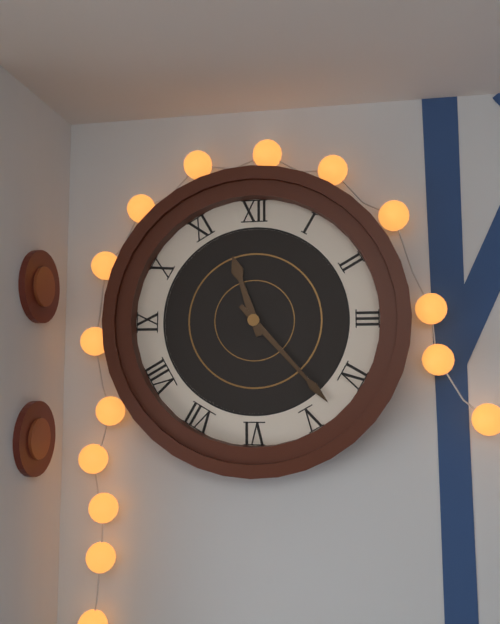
11:23
